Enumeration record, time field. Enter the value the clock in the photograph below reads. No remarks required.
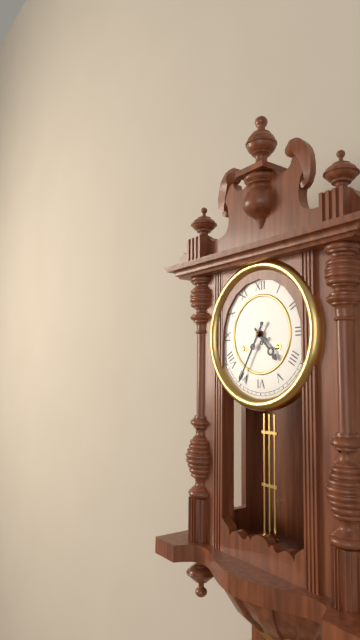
4:35
